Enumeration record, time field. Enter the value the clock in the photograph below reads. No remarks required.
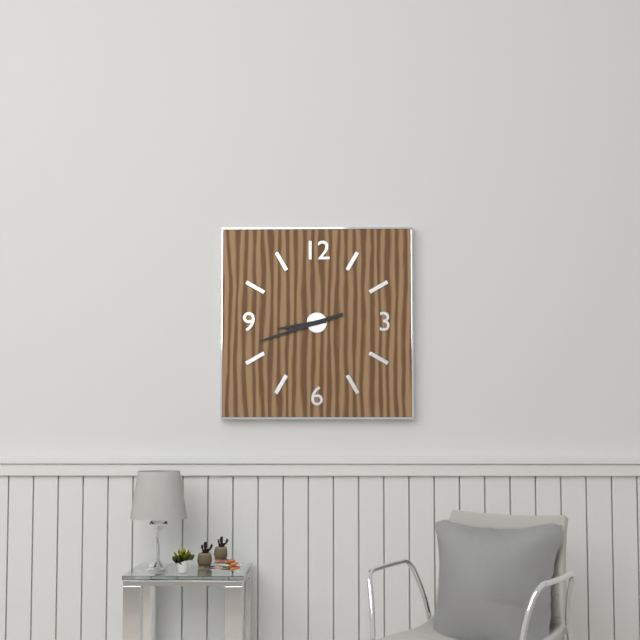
8:42
